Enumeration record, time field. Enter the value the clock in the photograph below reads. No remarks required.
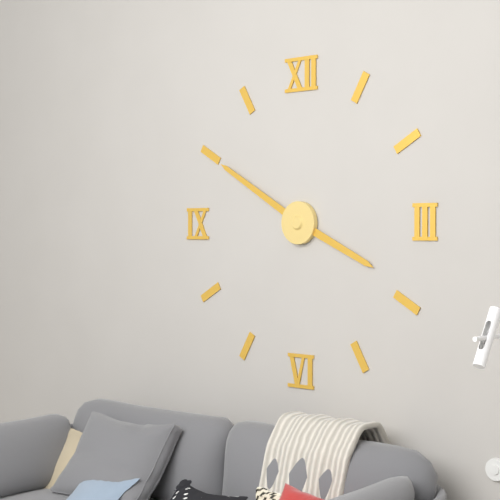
3:50
